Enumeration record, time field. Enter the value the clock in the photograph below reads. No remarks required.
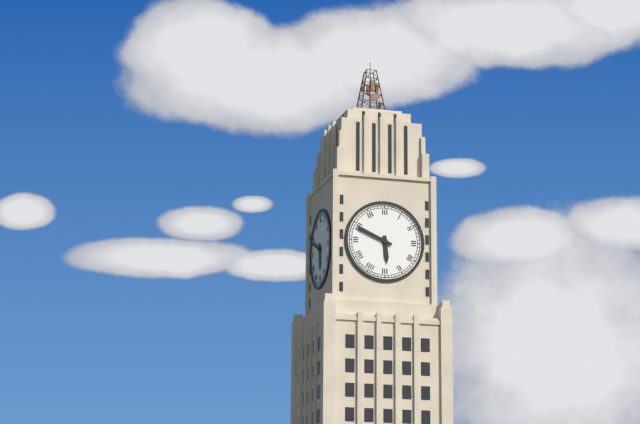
5:49
